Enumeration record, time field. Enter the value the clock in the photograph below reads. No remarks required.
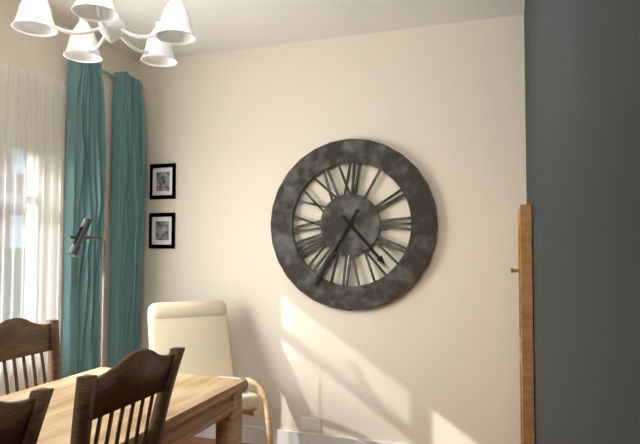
4:35
